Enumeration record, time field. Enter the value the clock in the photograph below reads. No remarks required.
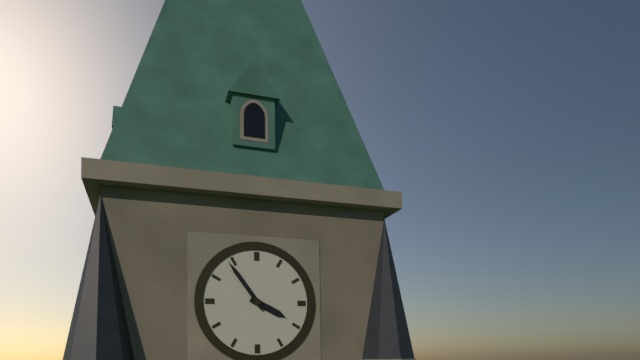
3:54
